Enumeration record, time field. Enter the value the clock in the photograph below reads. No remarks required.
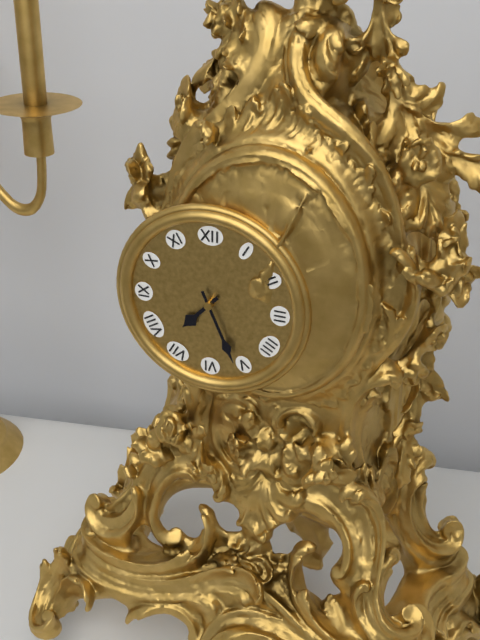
7:26
